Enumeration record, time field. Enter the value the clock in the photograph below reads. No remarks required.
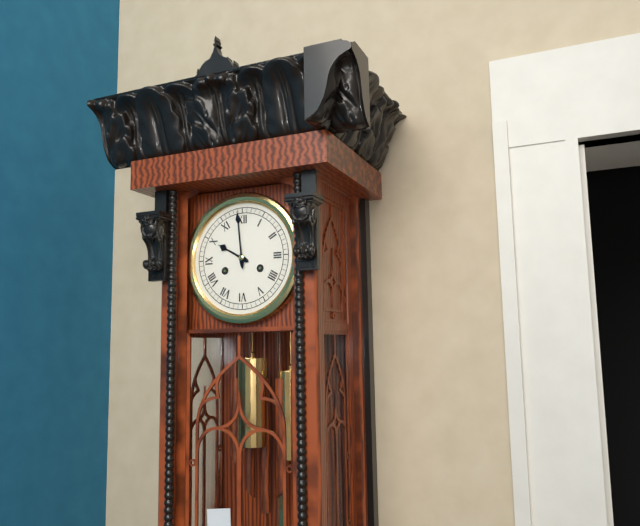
9:59
